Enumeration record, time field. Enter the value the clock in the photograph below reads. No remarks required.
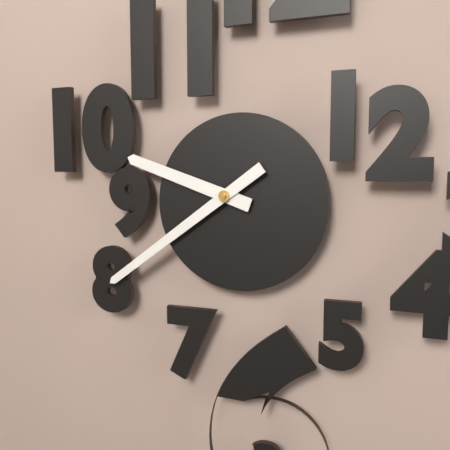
9:39
